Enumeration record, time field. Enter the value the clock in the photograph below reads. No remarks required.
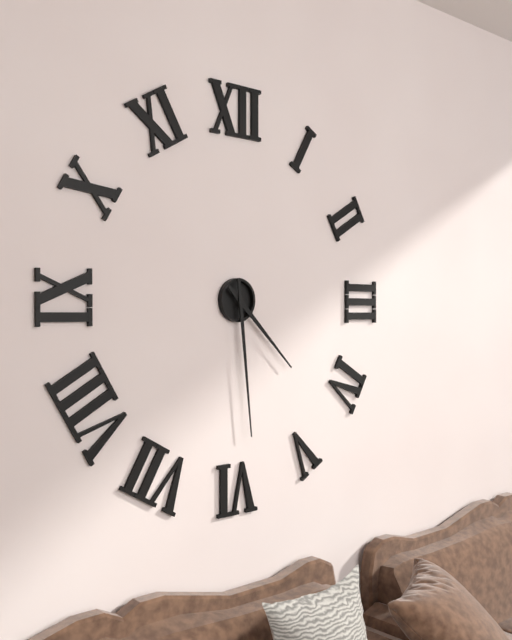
4:29
